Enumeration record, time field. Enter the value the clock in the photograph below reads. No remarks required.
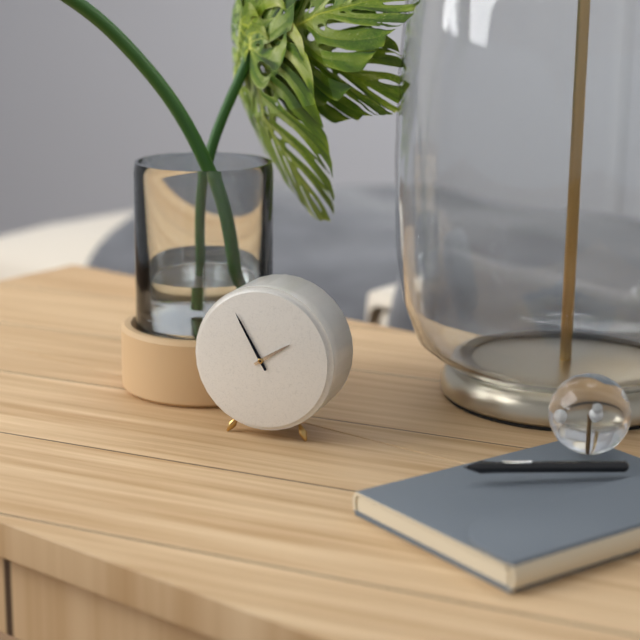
1:55
